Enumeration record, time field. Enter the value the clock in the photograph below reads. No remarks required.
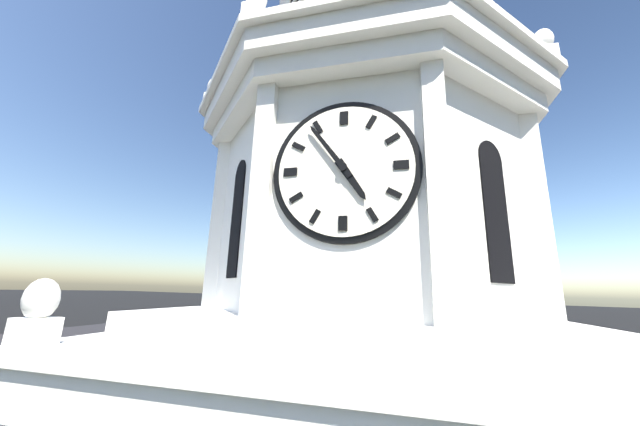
4:54
